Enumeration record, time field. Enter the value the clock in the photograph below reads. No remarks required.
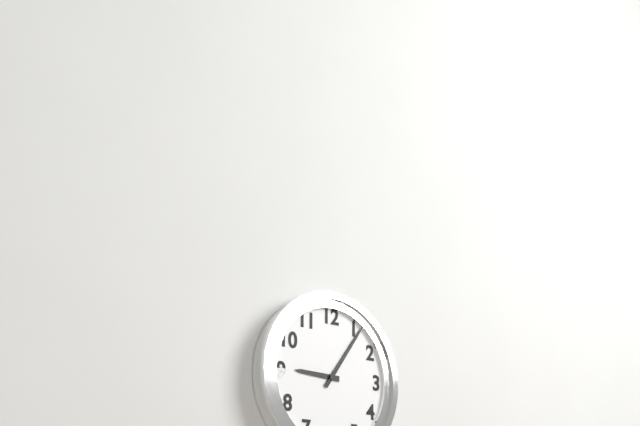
9:06
